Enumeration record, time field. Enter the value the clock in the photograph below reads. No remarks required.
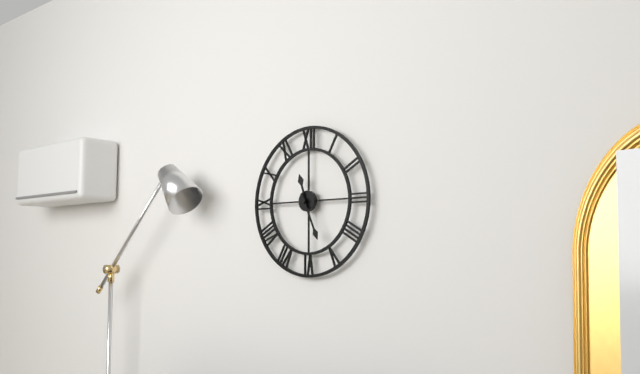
11:26
